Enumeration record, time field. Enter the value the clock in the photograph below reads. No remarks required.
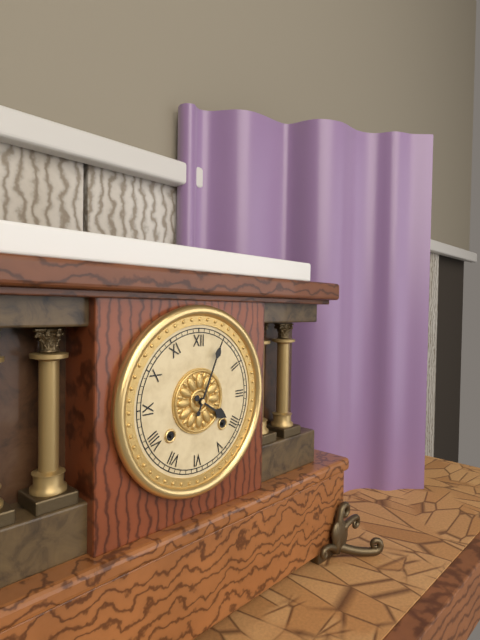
4:04
